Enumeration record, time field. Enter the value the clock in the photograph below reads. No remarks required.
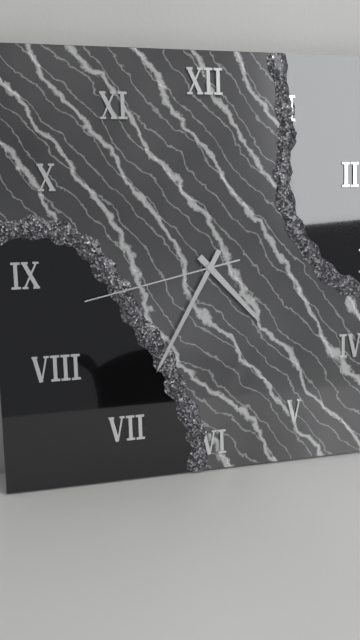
4:35:43
